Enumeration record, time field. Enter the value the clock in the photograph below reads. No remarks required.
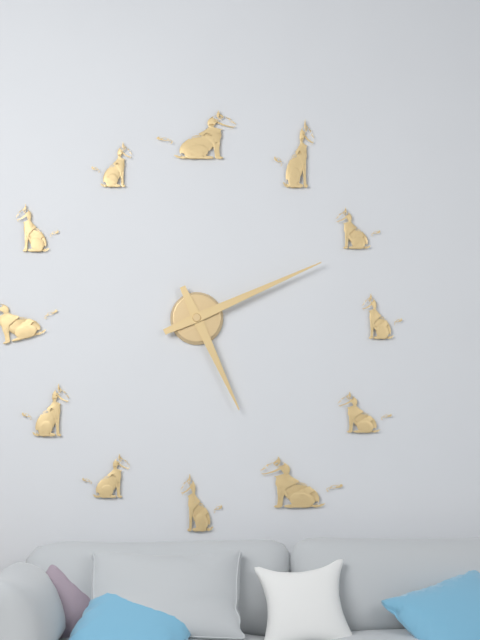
5:11
